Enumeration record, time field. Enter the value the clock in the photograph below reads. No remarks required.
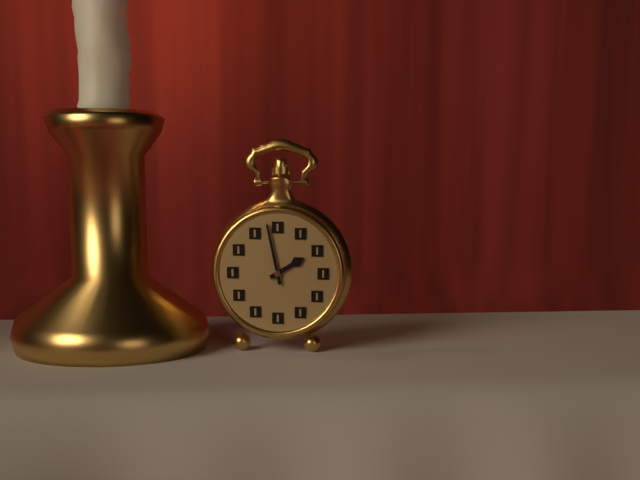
1:58
